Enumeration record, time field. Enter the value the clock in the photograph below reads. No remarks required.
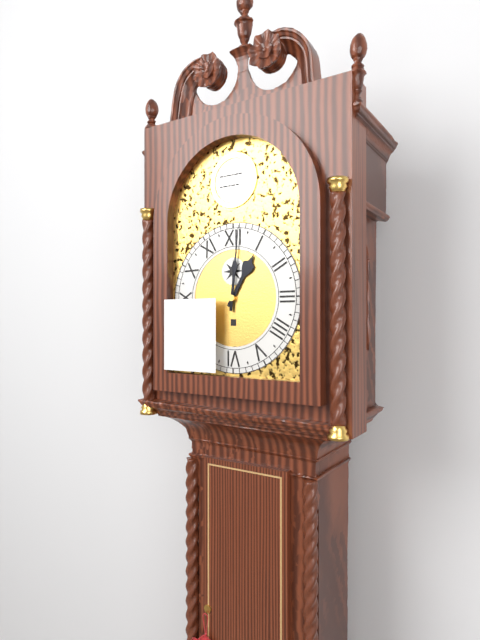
1:01
